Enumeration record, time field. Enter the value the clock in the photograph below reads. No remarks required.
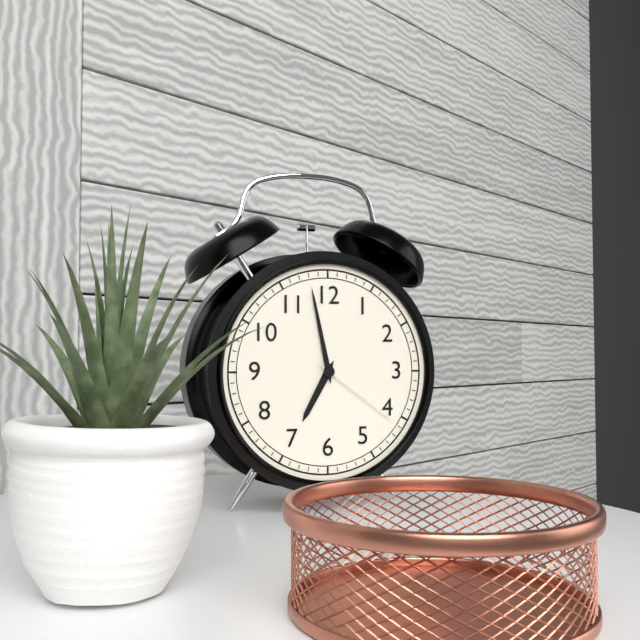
6:58:21
